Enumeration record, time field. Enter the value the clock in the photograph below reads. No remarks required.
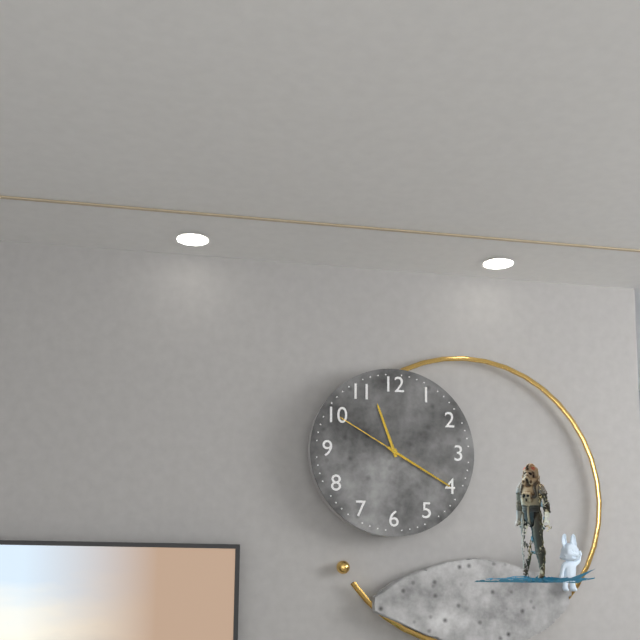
11:20:50
